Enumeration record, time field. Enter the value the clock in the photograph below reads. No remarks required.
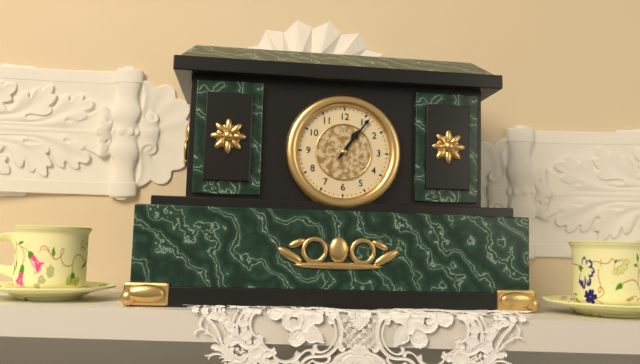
1:06
